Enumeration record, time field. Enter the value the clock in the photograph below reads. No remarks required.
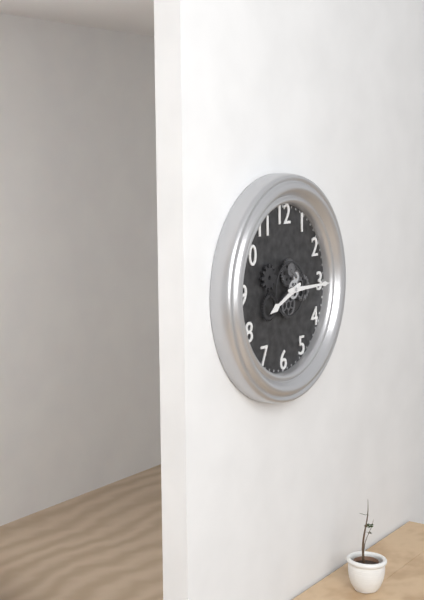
8:15
